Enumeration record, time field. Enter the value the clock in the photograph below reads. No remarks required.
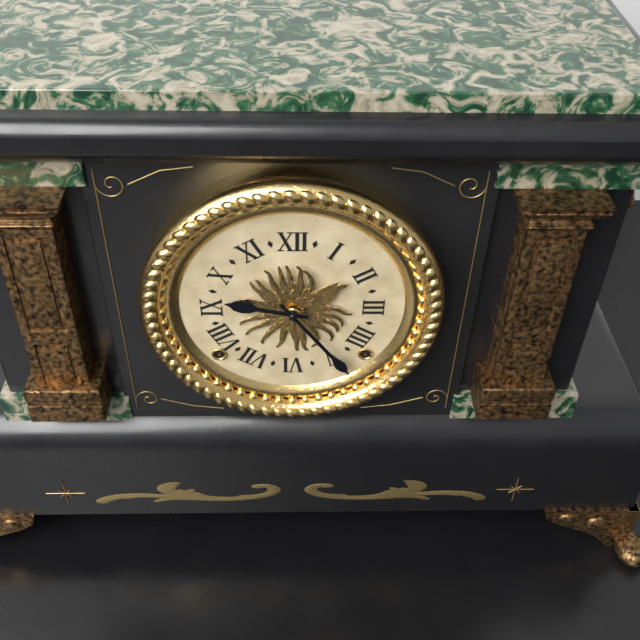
9:24
